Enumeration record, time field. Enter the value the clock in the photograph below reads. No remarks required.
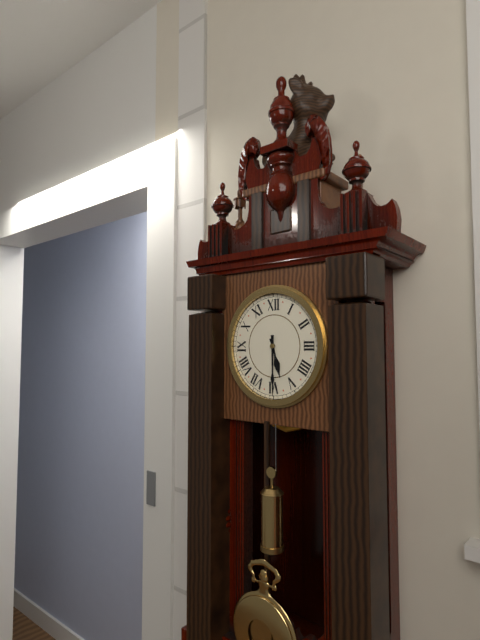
5:30
